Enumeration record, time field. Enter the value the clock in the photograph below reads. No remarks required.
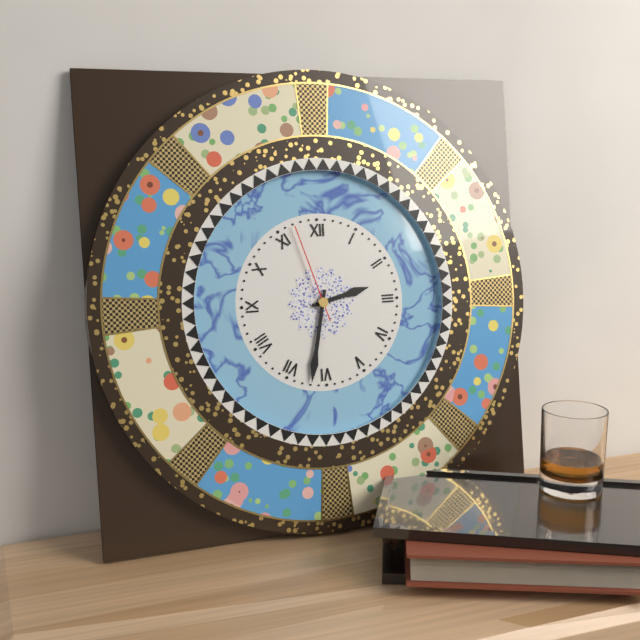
2:32:57
